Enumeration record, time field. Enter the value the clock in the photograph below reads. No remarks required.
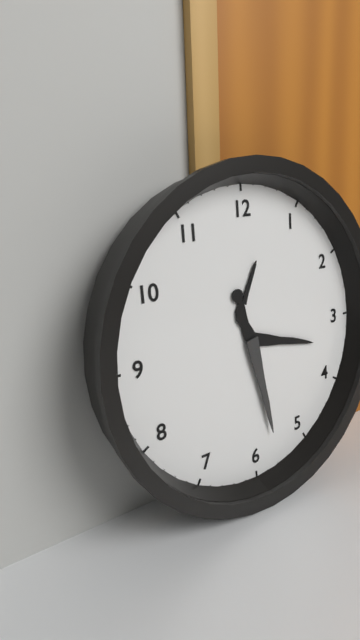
3:28
